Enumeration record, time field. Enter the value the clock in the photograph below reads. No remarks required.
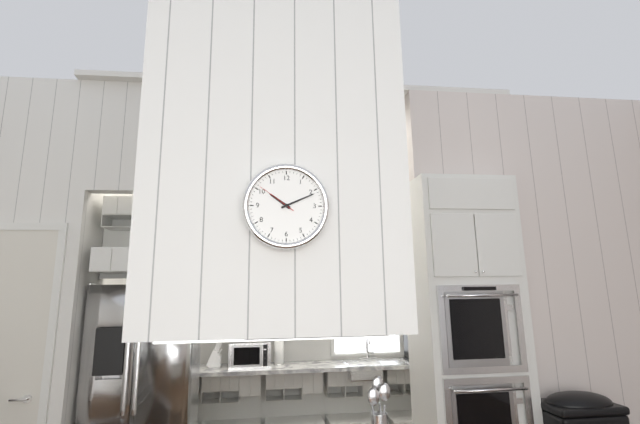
10:11
